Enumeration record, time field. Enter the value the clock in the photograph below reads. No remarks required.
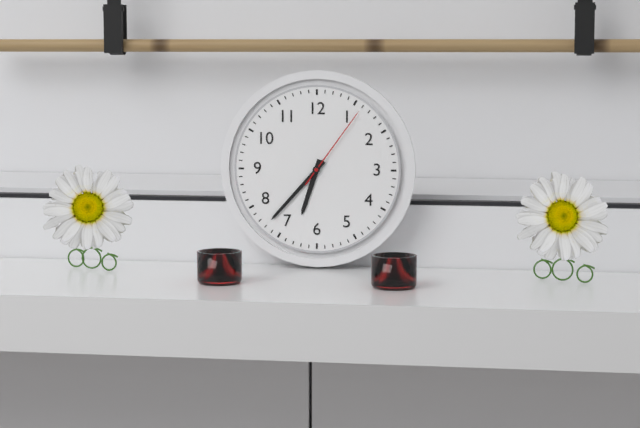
6:37:06
